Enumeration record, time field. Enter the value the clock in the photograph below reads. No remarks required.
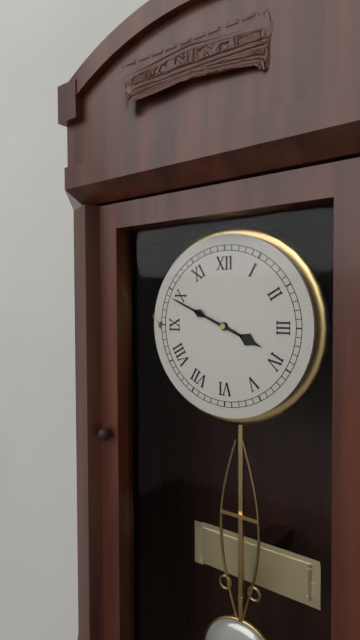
3:49
